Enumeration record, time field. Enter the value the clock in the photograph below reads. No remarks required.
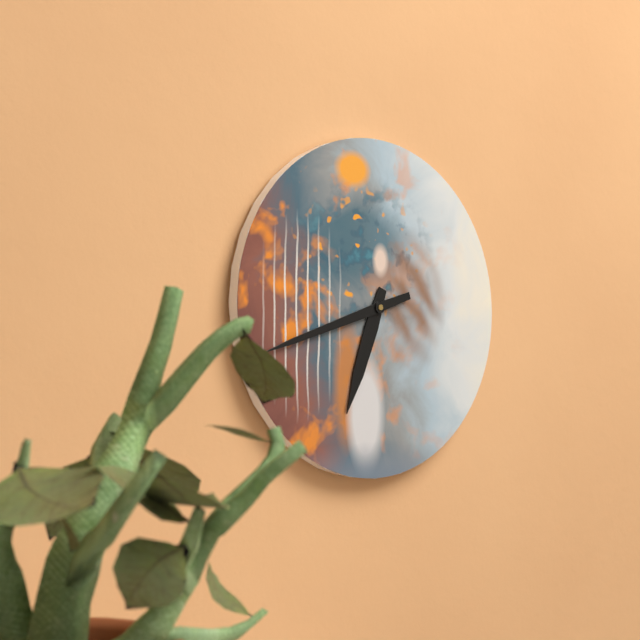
6:42
